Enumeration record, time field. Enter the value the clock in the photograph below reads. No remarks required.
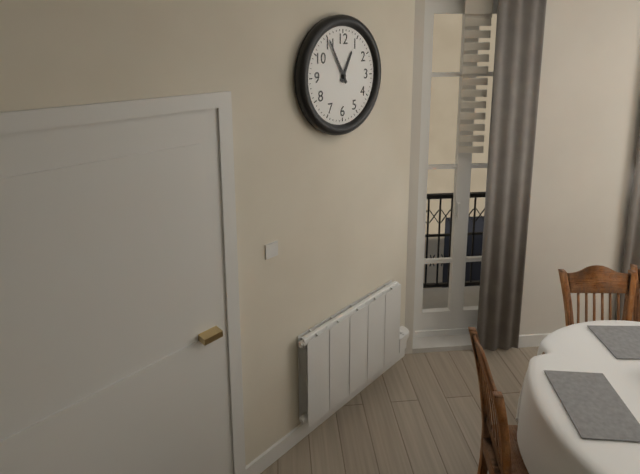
12:55
